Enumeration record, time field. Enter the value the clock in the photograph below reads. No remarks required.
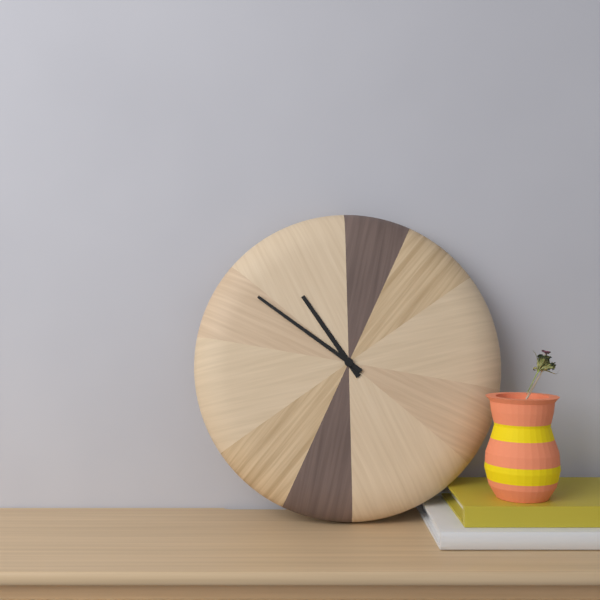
10:51
